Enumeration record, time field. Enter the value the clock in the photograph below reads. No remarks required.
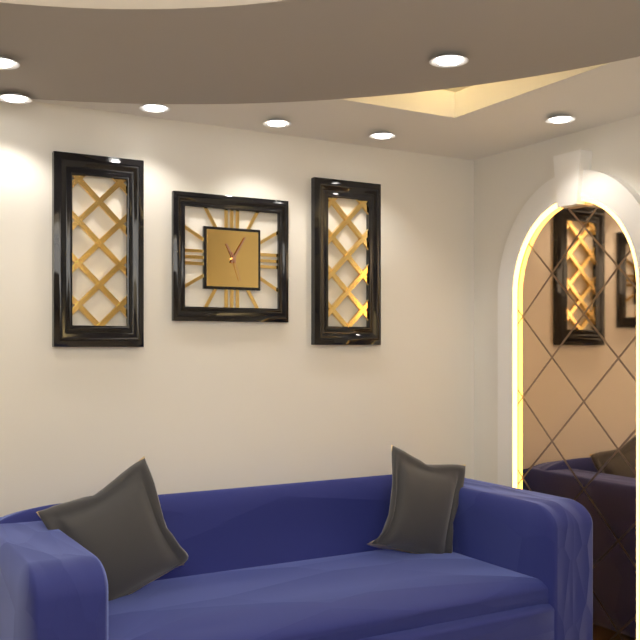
11:05
